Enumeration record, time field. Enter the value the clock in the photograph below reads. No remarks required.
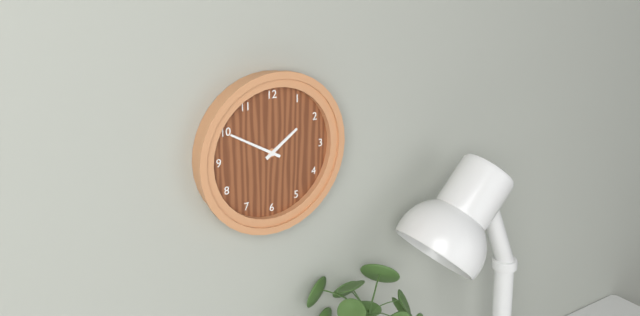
1:50
